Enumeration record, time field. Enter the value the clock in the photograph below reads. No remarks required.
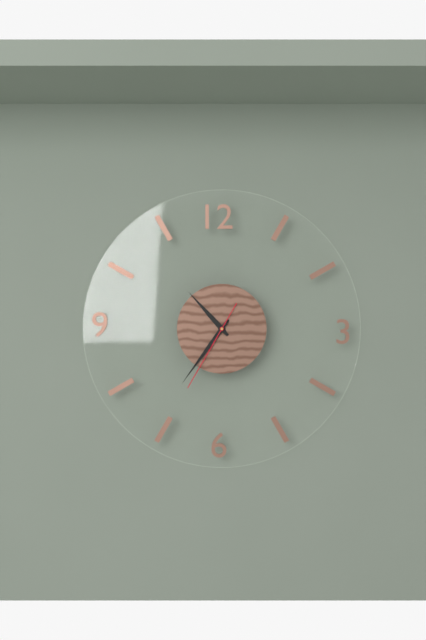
10:36:35
